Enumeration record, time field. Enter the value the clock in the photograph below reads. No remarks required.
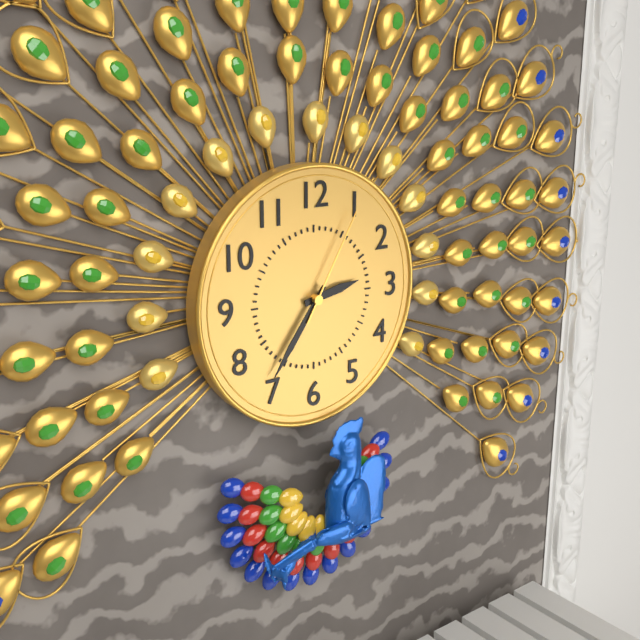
2:36:05
